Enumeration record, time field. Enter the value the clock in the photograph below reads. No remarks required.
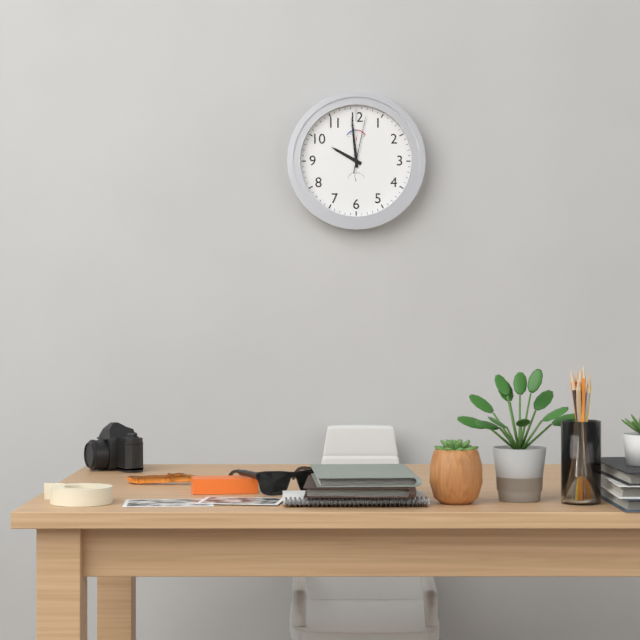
9:59:02
